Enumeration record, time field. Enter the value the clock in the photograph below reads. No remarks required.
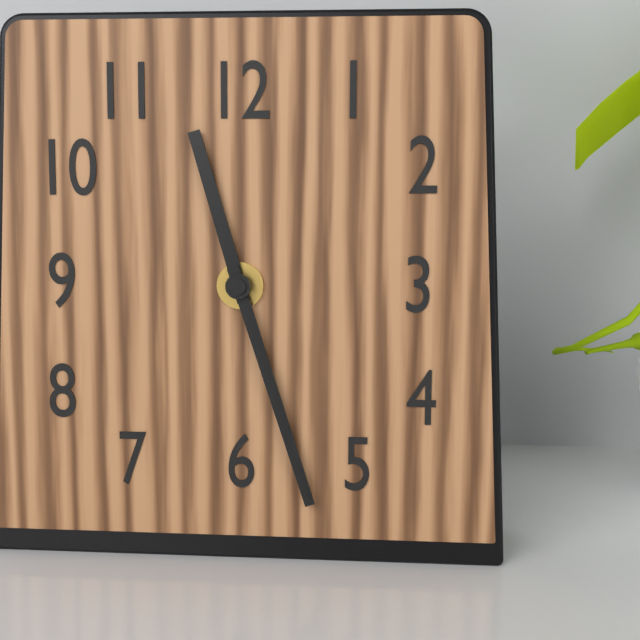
11:27
